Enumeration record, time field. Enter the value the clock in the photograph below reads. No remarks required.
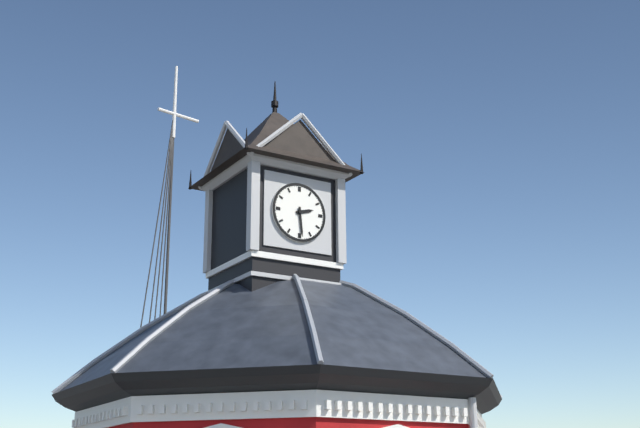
2:29
